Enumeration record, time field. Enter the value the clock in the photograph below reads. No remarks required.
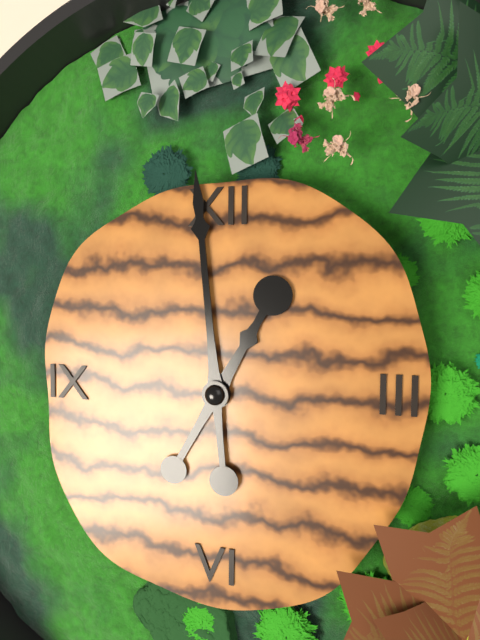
12:59
